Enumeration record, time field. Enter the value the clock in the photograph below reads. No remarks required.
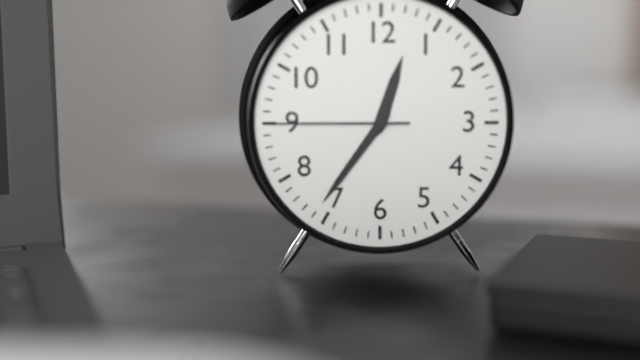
12:36:45
